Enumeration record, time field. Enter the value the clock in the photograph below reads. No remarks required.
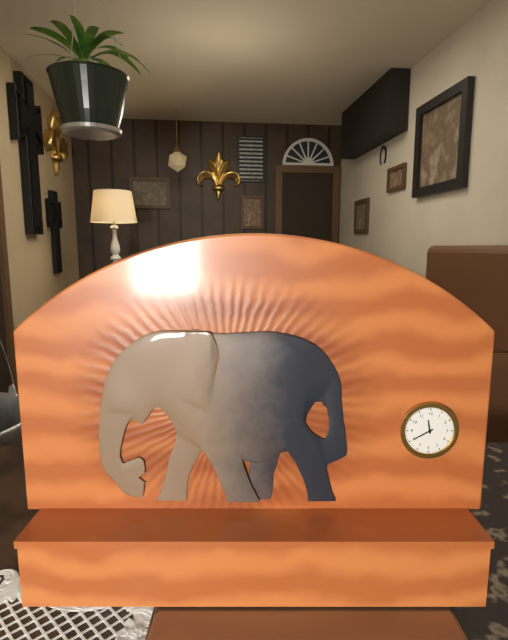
11:40
